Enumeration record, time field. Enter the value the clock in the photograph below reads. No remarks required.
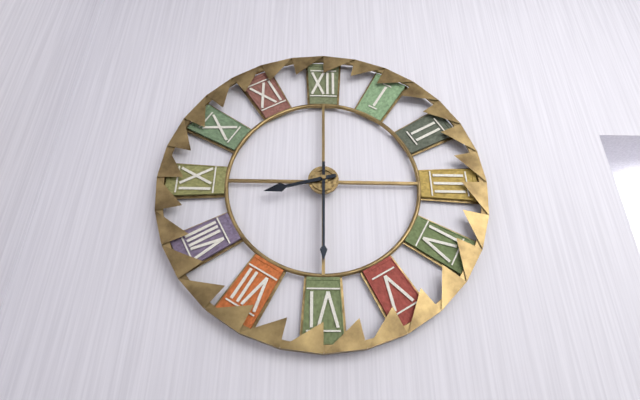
8:30
